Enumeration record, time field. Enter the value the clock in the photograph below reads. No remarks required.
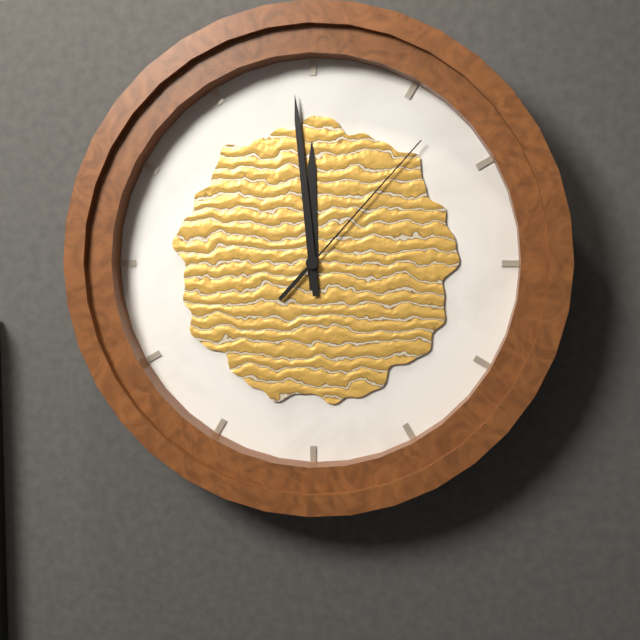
11:59:07
